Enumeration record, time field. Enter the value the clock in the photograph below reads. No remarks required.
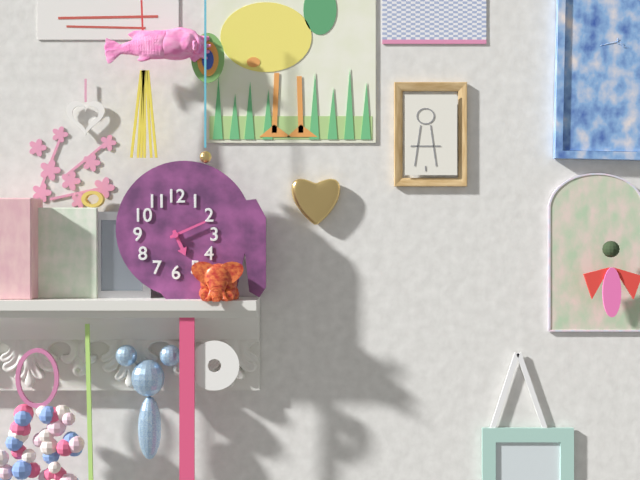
5:11
